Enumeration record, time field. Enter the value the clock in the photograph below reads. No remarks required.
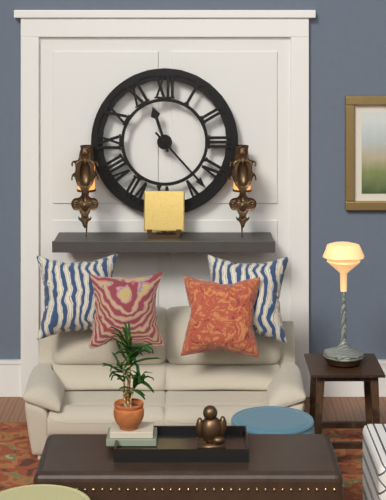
11:23
